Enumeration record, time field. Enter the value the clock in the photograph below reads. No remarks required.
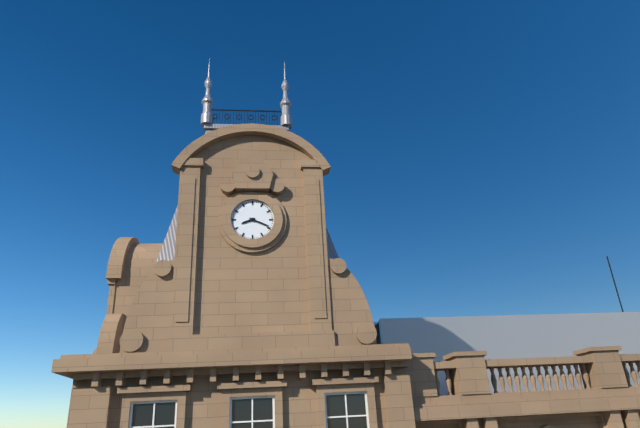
8:19
